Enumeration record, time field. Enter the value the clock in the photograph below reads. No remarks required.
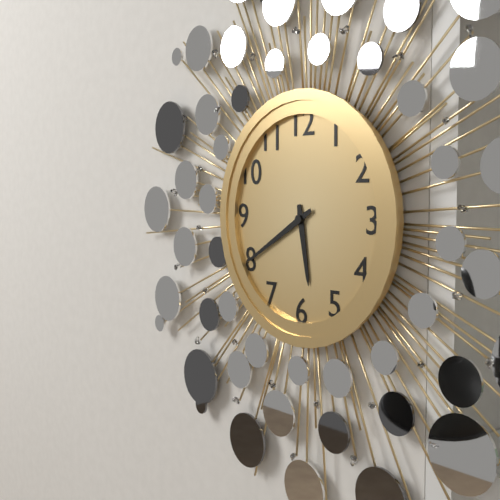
5:40
